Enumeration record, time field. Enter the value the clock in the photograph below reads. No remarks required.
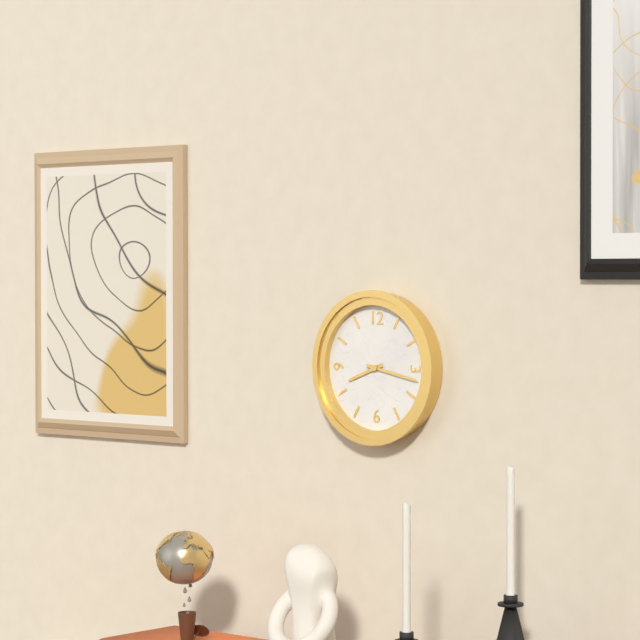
8:17
